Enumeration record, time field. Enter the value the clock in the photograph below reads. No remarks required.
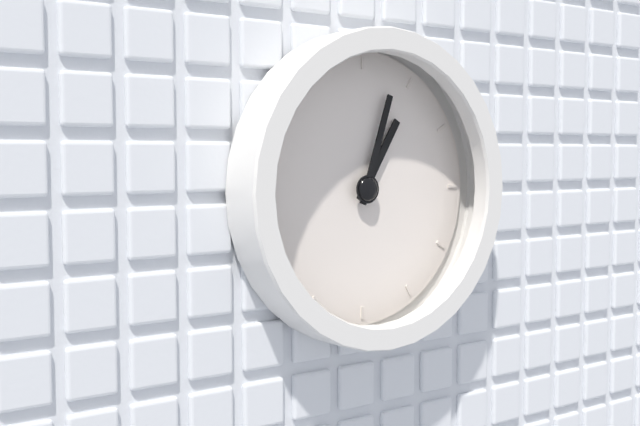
1:03
